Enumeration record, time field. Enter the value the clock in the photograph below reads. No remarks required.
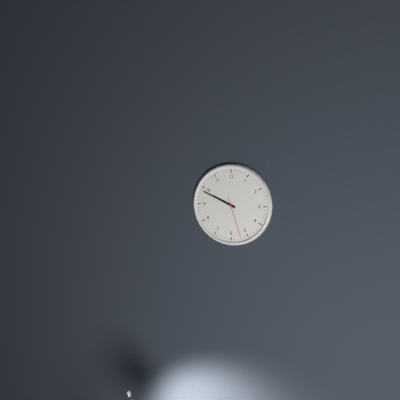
9:49
